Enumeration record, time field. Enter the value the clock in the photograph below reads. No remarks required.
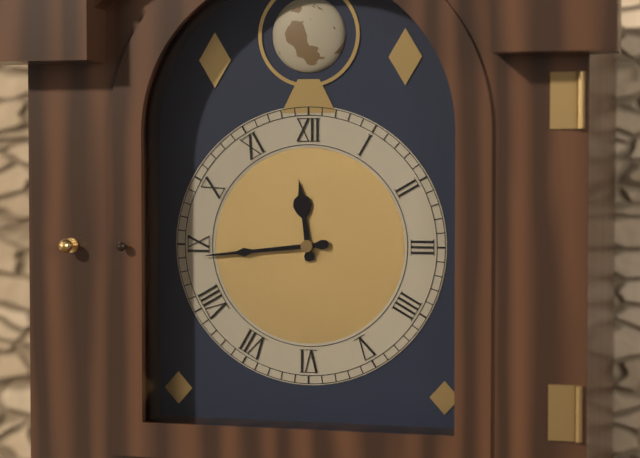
11:44
